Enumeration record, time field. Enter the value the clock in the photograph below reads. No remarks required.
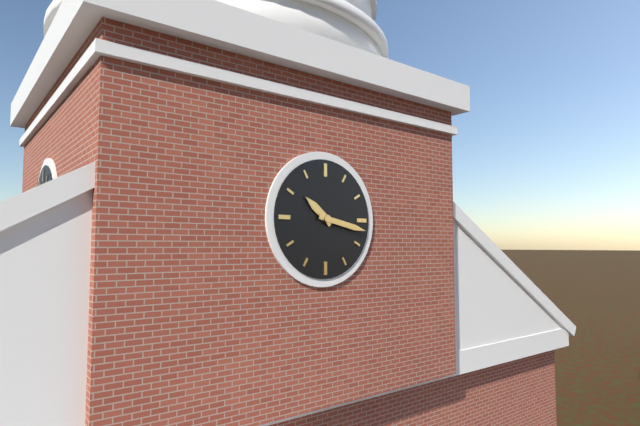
10:17
